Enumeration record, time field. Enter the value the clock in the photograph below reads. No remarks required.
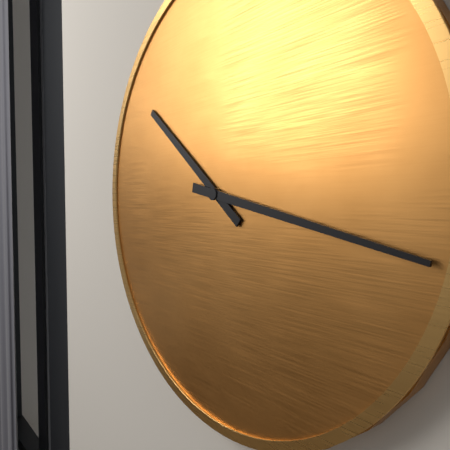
10:17
